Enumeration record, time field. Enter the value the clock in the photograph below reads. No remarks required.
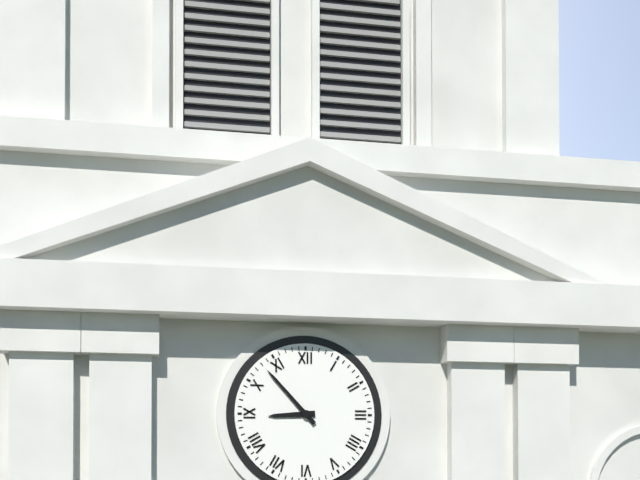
8:53
